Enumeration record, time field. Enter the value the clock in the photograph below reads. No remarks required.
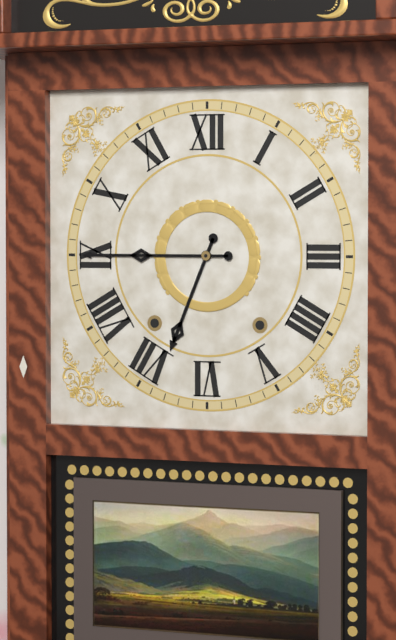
6:45
